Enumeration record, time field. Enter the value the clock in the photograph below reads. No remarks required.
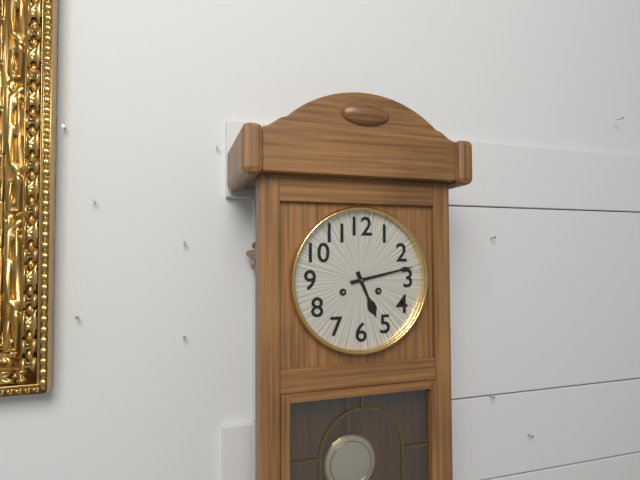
5:13
